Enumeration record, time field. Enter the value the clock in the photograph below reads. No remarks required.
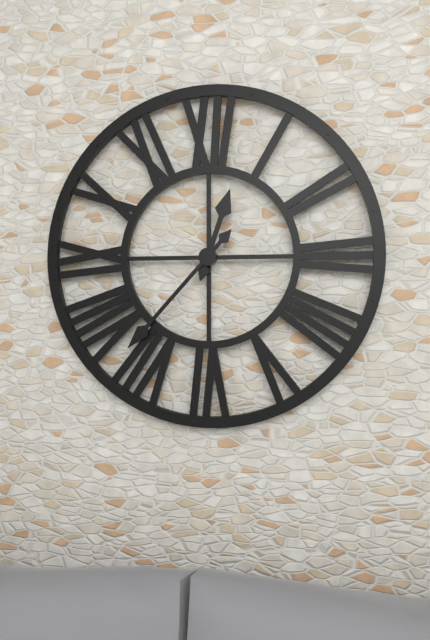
12:37
